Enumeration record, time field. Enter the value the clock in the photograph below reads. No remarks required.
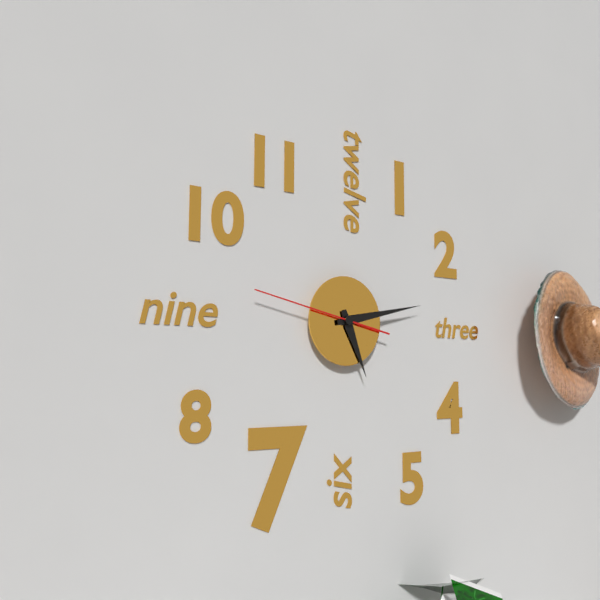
5:13:47
